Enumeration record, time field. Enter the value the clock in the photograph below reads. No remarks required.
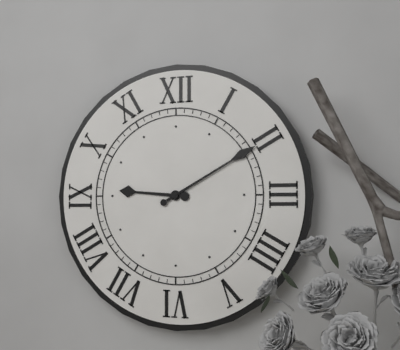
9:10
